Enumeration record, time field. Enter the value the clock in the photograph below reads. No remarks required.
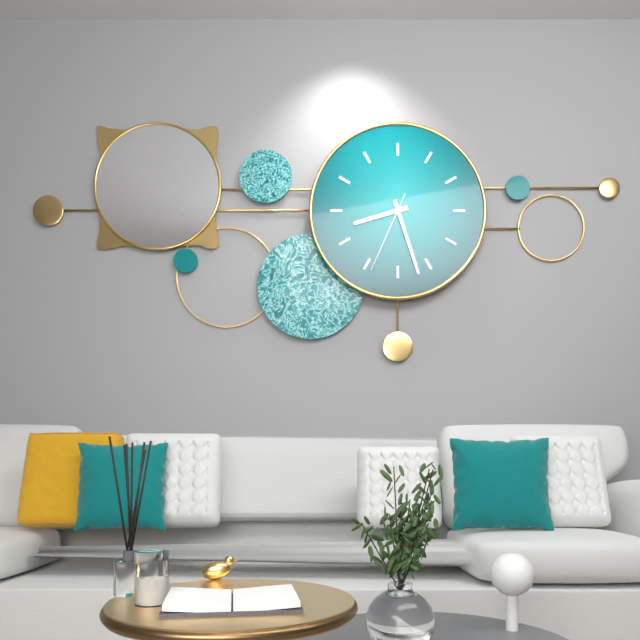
8:27:34
